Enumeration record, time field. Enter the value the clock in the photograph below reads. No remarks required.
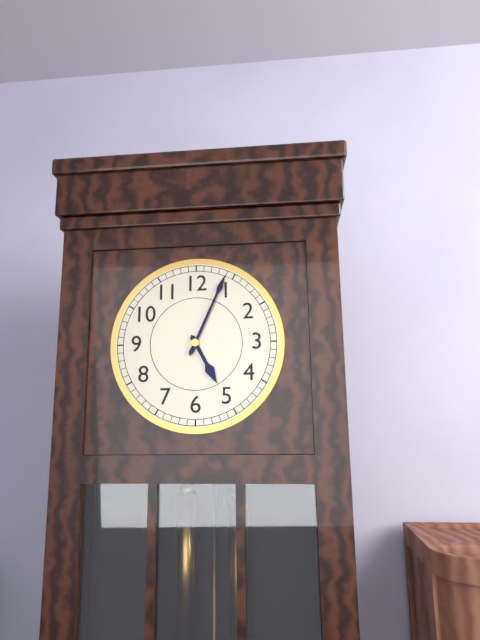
5:04
